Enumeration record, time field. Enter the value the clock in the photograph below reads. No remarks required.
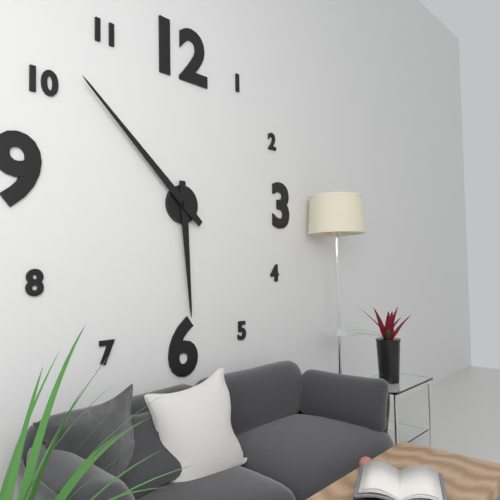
5:52
